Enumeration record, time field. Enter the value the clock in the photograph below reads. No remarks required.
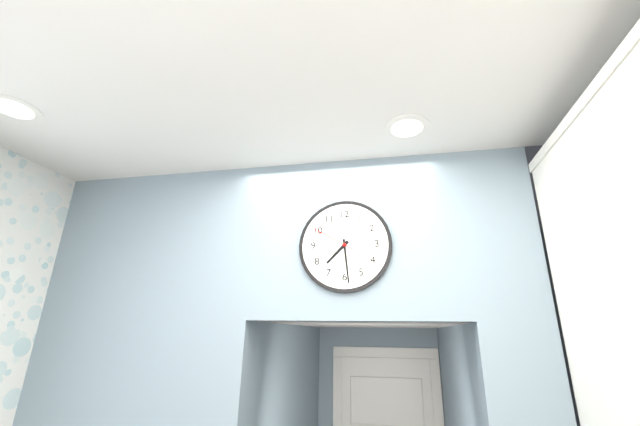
7:29
